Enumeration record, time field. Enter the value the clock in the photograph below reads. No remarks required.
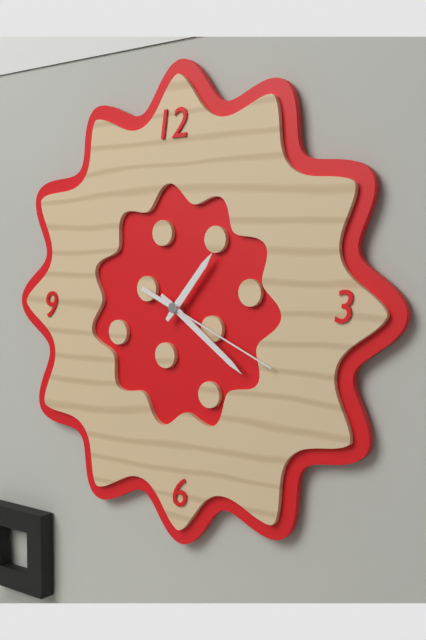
1:21:19
